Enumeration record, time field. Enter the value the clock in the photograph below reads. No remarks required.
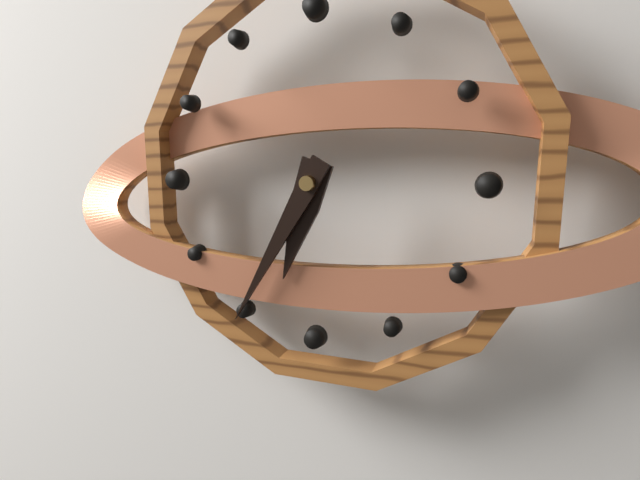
6:35
